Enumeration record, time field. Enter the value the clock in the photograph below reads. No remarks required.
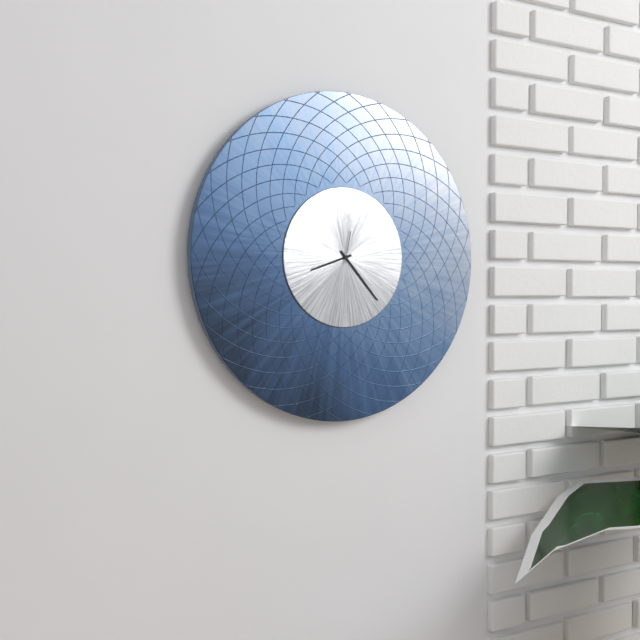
8:23
